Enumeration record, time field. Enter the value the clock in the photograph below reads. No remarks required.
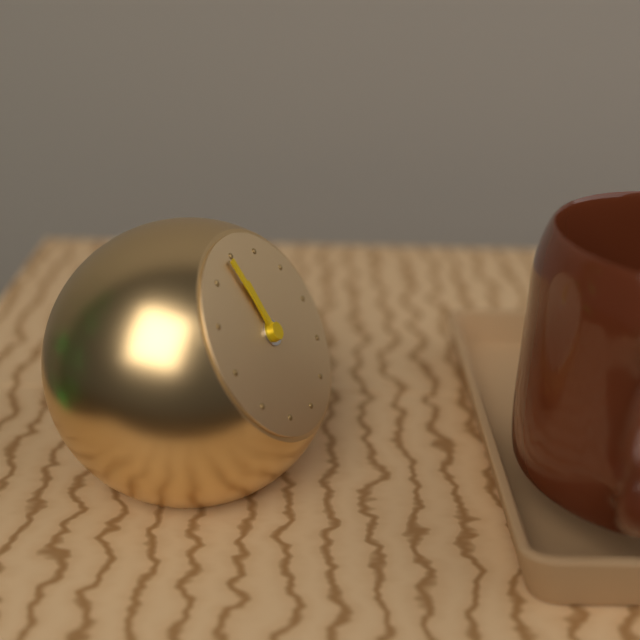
11:59
